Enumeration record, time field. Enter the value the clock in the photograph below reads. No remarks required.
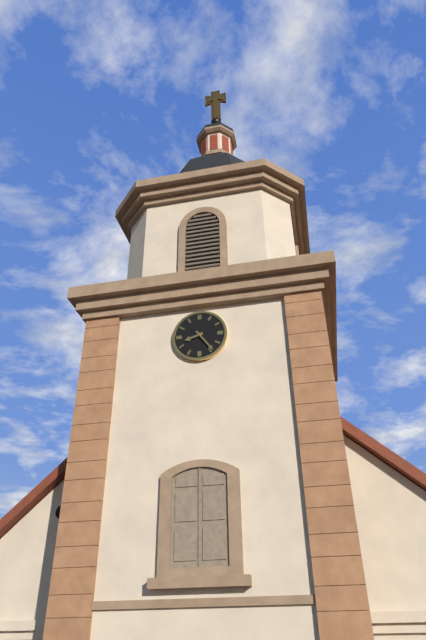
8:24
